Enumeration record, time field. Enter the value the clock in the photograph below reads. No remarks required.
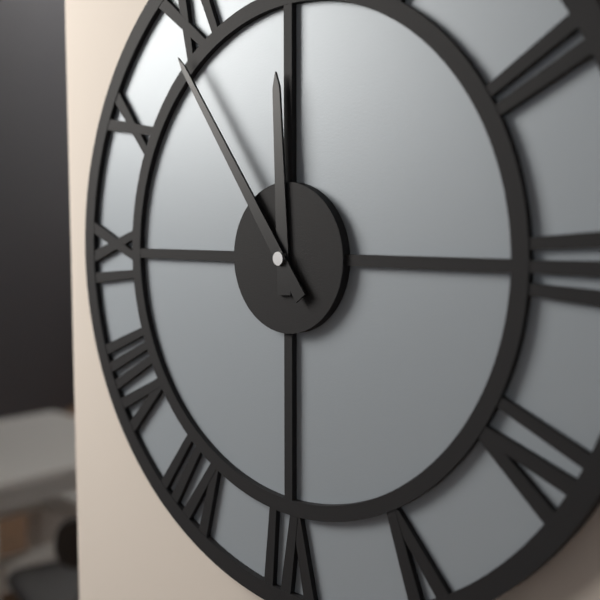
11:54
